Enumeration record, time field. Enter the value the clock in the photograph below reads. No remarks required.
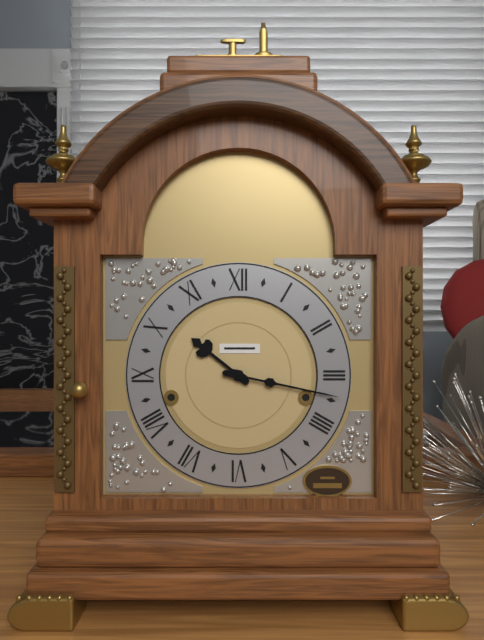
10:17
